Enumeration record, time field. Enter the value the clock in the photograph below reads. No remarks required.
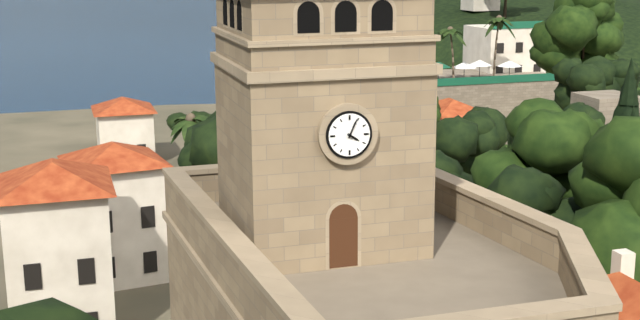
4:04
